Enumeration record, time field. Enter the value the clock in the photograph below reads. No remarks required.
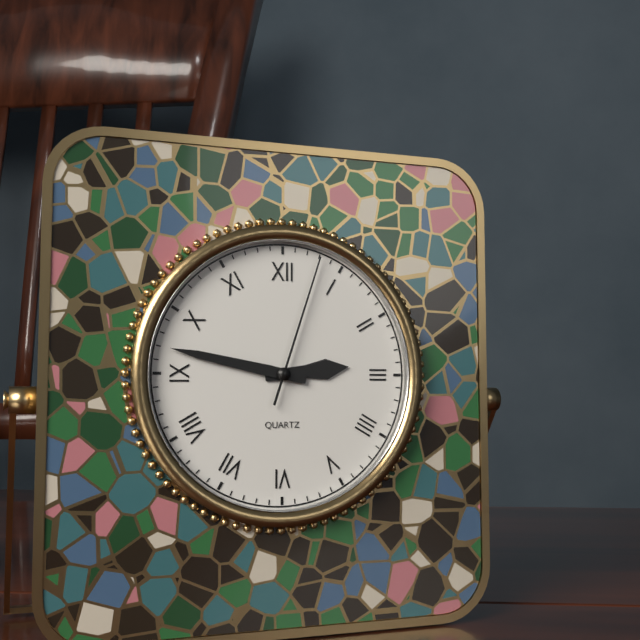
2:47:03
